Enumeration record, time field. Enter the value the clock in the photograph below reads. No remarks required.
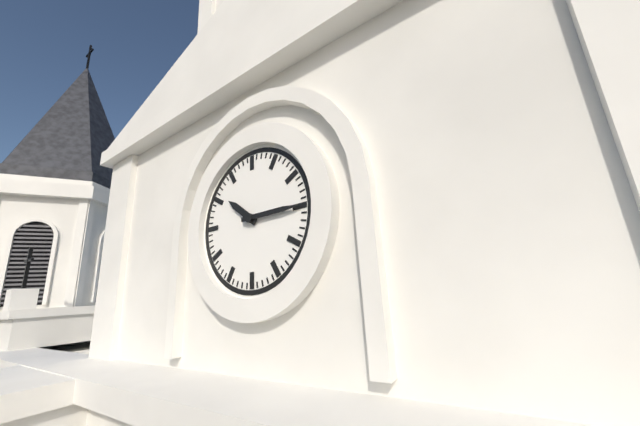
10:15
